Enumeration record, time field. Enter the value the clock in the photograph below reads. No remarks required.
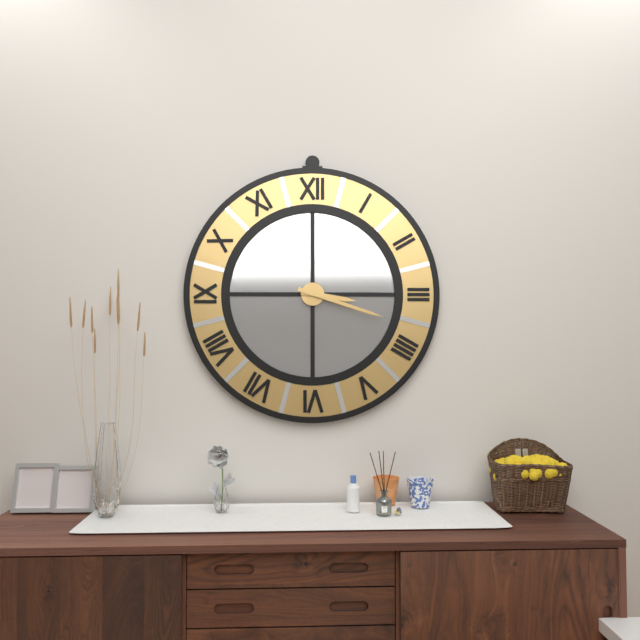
3:18
